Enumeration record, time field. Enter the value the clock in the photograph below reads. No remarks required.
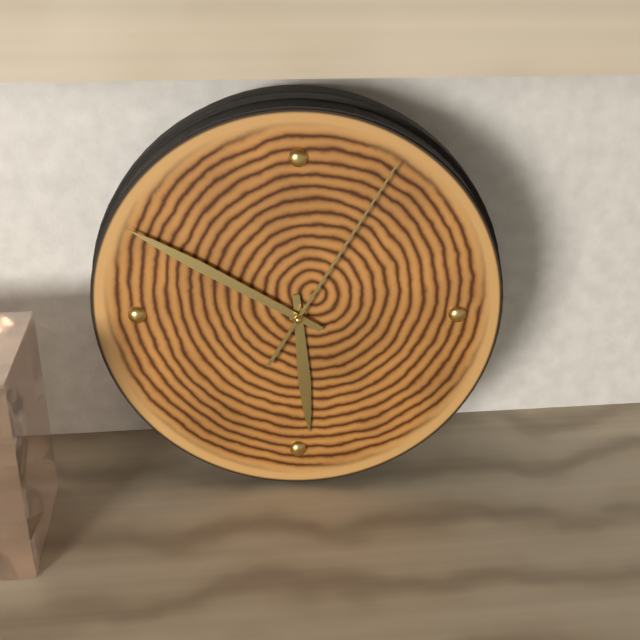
5:50:05
